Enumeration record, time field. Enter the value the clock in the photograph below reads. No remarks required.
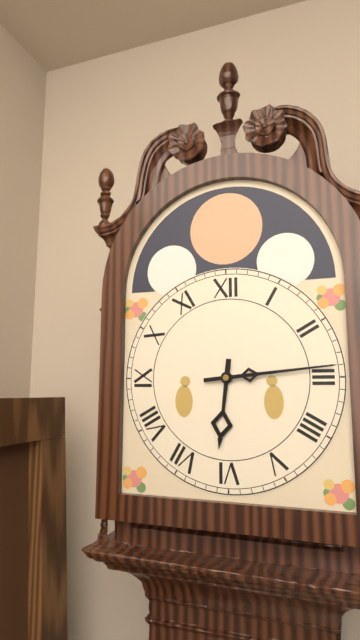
6:14
